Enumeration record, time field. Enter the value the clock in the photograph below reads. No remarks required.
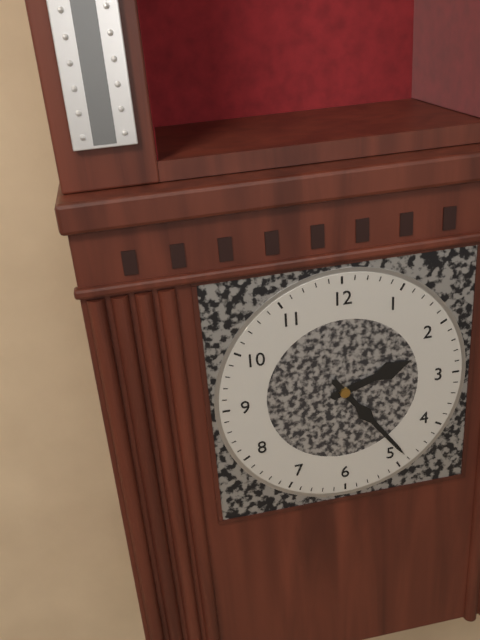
2:24
